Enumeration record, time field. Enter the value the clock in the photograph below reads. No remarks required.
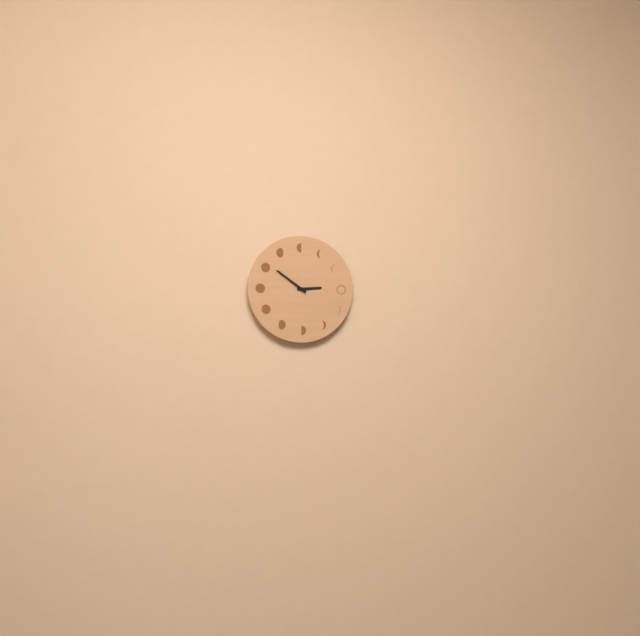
2:51
